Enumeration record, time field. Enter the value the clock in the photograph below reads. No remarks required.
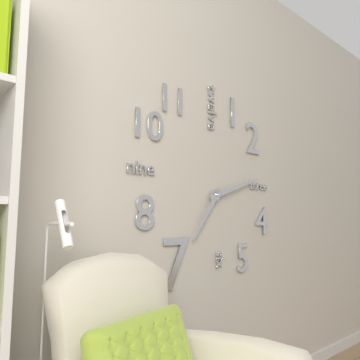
7:12
